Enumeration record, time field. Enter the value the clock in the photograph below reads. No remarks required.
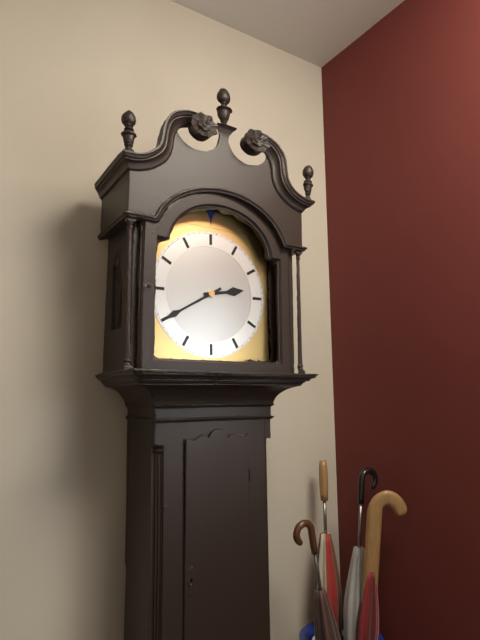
2:40
